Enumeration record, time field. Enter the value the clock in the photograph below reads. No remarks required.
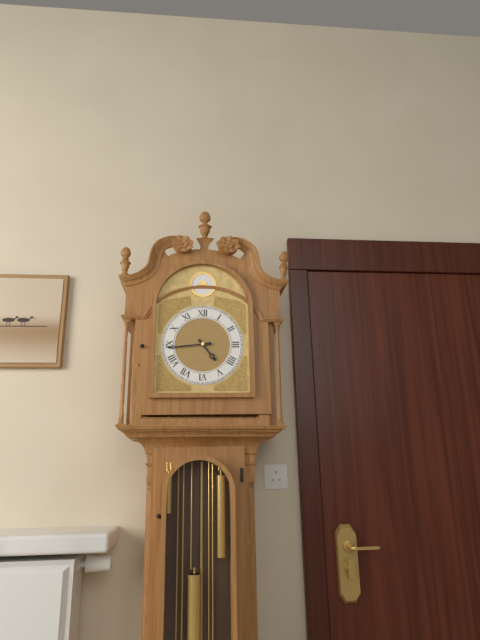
4:44
